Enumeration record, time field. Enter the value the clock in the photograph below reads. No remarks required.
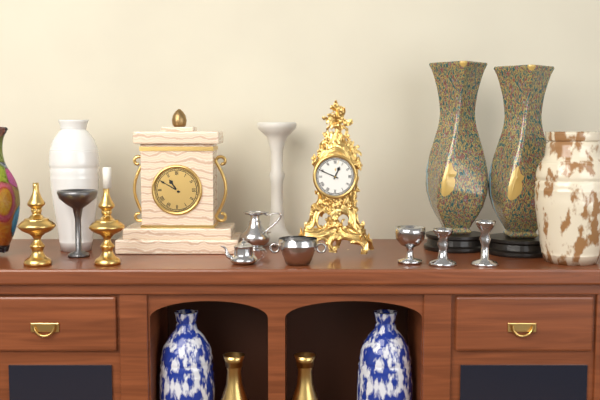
12:49
